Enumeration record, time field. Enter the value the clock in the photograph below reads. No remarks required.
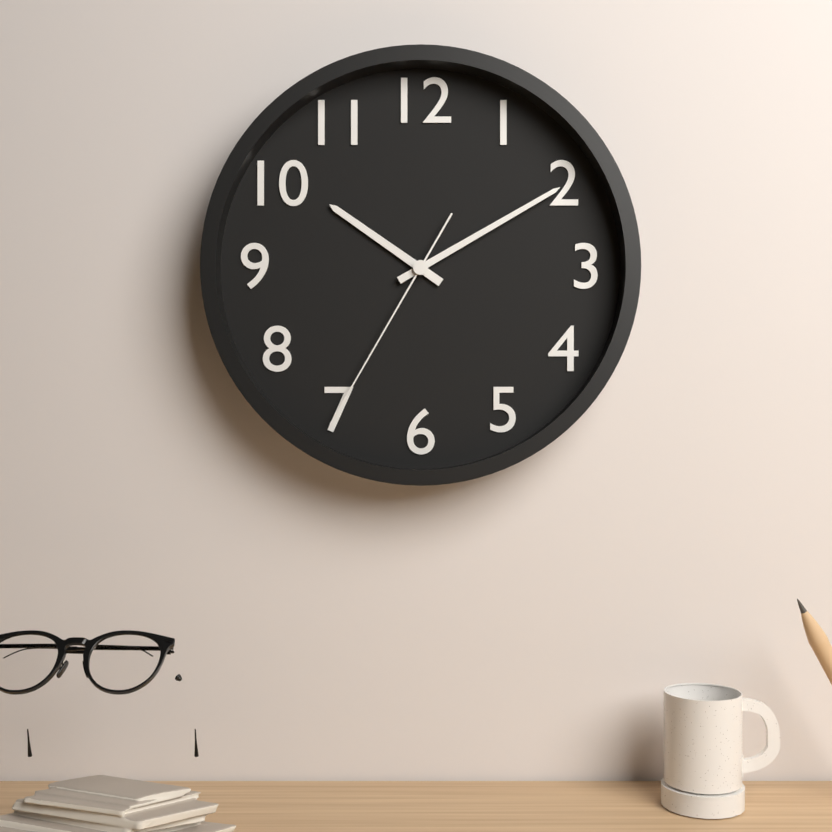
10:10:35
